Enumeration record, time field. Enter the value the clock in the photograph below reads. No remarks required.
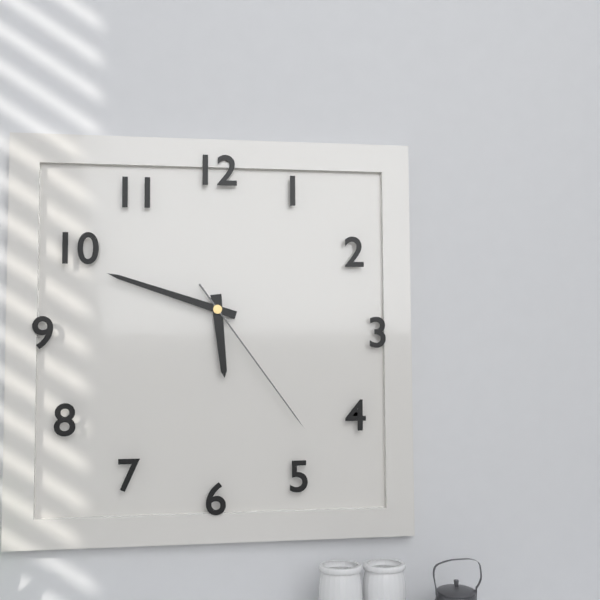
5:48:24
